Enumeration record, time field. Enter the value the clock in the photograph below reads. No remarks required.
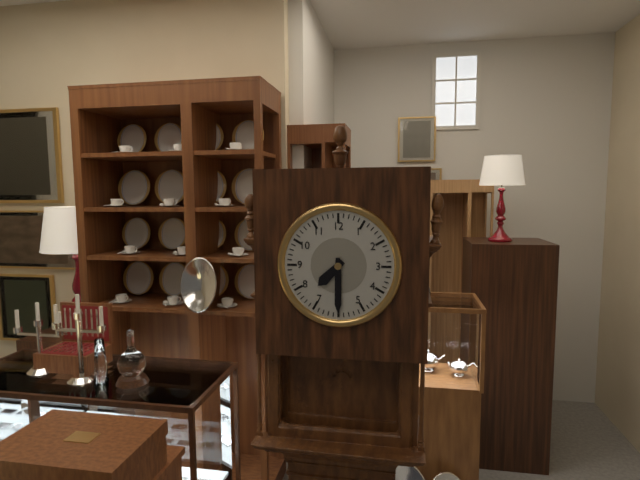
7:30
